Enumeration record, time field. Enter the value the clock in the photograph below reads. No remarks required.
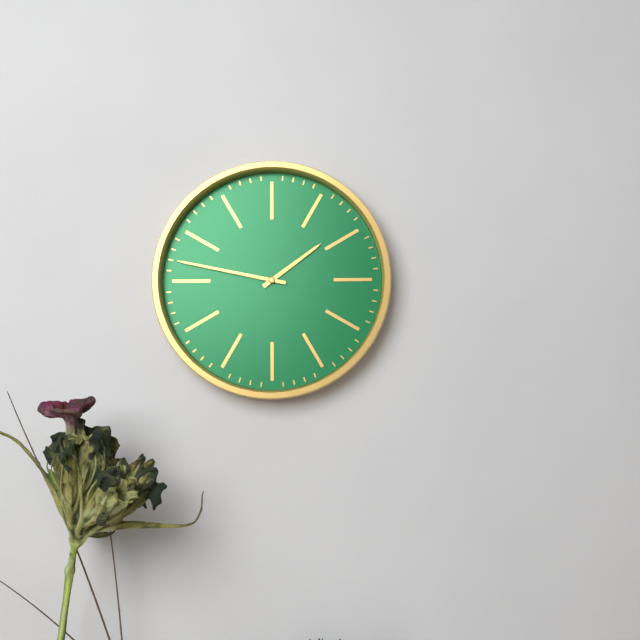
1:47
